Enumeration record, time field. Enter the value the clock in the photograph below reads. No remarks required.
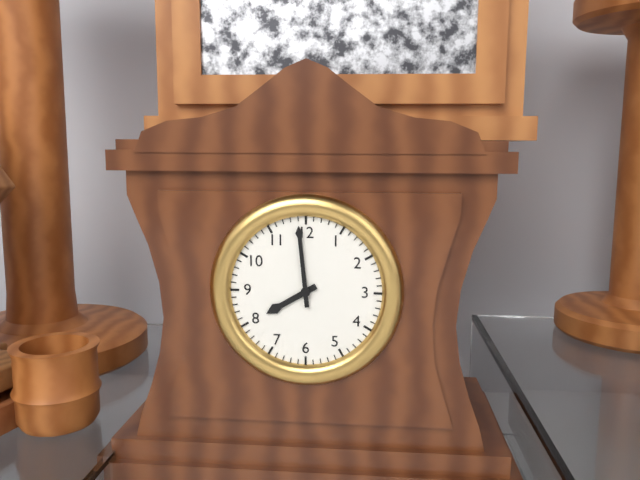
7:59
